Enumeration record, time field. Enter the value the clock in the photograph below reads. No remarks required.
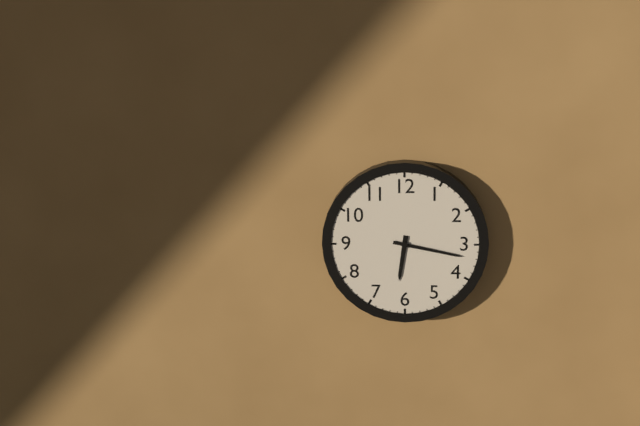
6:17
